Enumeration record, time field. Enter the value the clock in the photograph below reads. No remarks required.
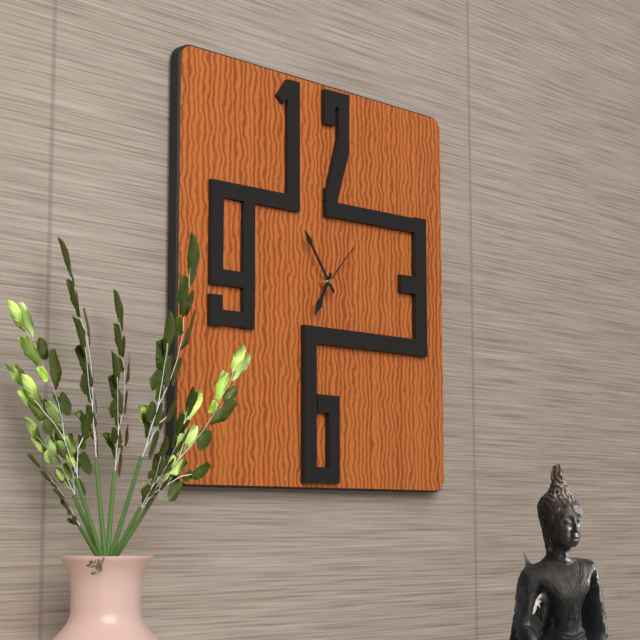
6:54:07
